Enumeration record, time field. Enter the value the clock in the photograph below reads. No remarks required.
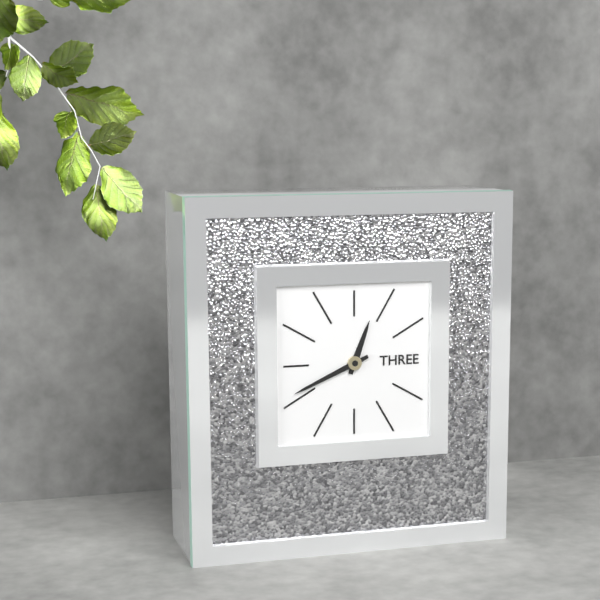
12:41
